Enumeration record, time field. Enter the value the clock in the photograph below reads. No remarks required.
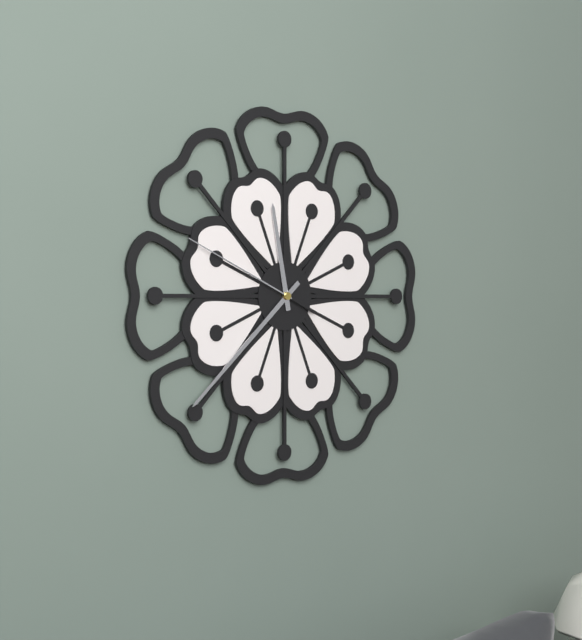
11:38:49
